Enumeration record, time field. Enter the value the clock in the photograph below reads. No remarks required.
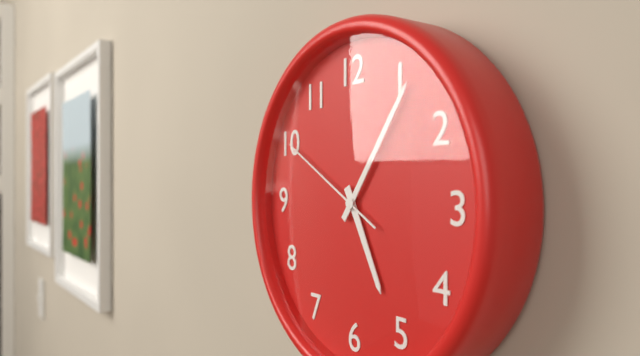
5:06:50
